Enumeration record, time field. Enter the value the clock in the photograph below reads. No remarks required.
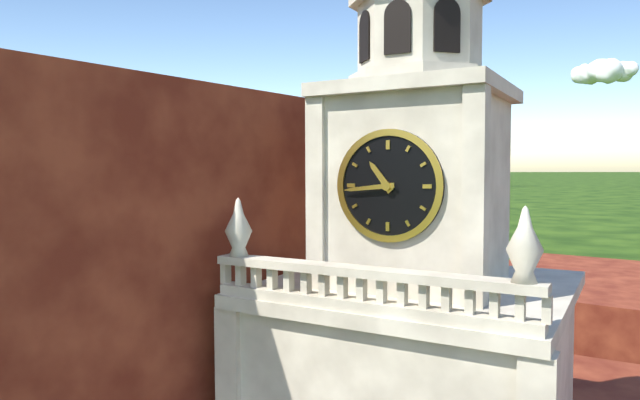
10:44
